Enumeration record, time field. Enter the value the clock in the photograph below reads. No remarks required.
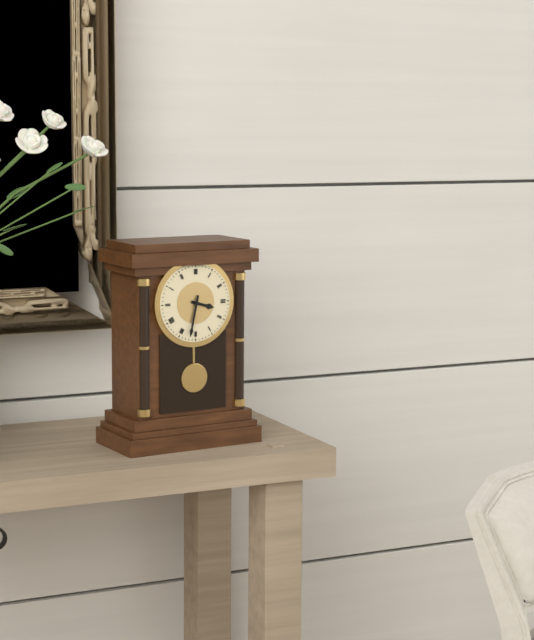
3:32
